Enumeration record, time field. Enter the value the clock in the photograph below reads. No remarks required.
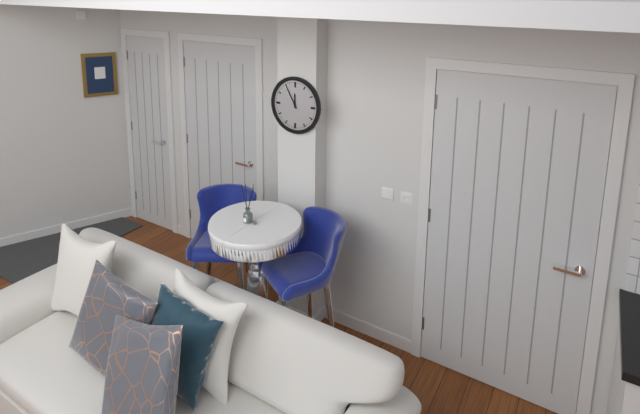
11:55
